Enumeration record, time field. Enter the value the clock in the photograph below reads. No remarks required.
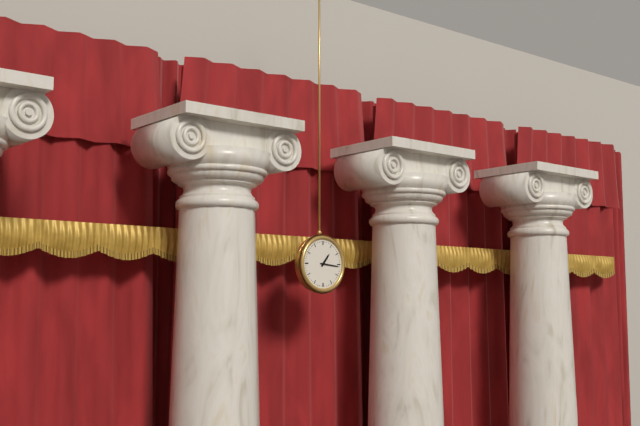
1:16
